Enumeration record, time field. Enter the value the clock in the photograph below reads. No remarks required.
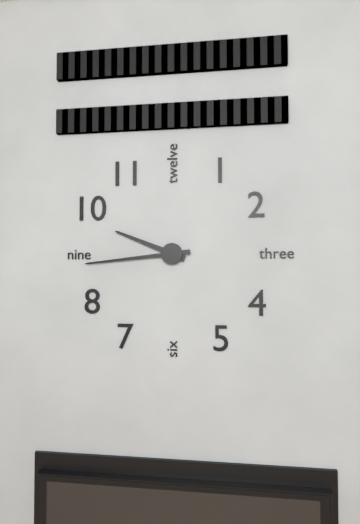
9:44
